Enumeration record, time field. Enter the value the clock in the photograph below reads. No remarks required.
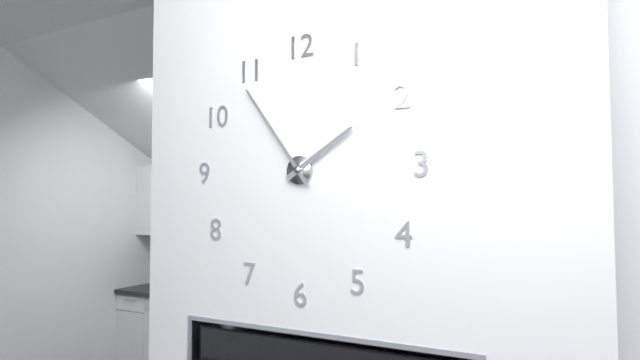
1:54
